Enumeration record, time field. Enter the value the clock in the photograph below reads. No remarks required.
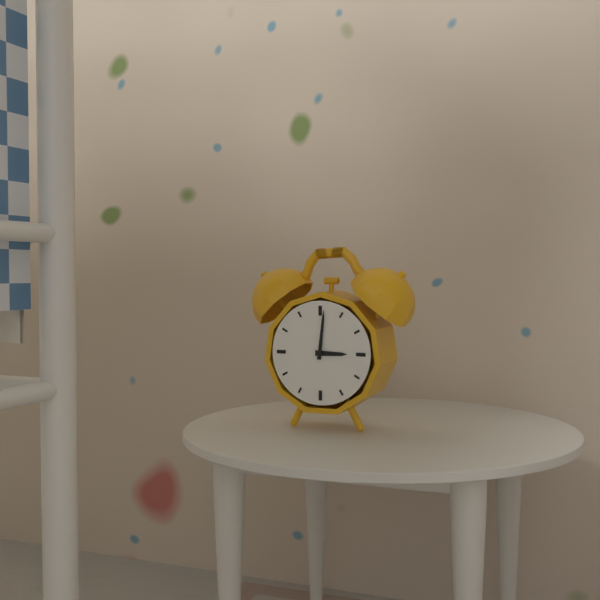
3:01
